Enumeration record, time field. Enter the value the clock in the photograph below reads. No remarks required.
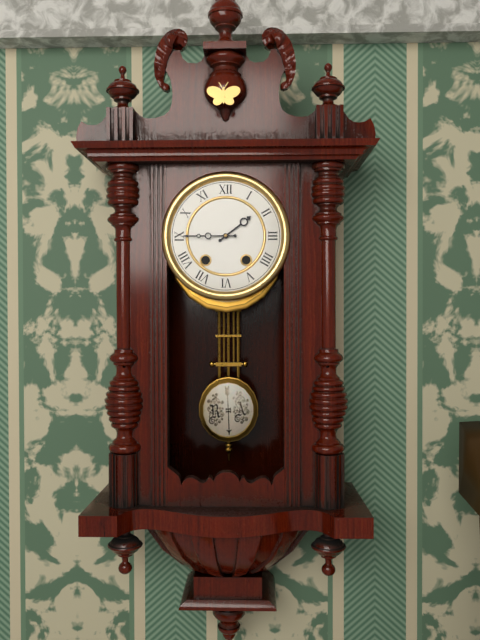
1:45
